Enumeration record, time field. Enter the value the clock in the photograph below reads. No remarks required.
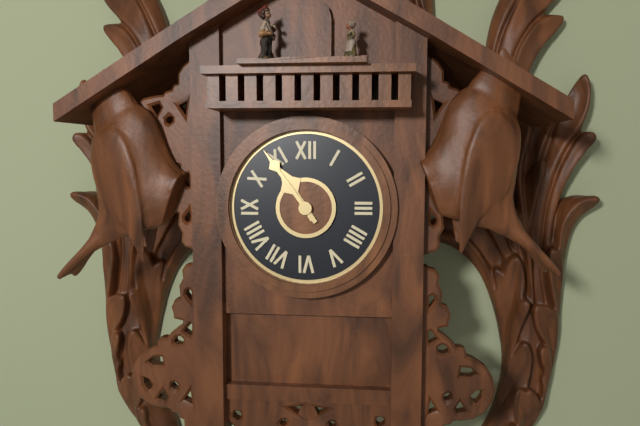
10:54
